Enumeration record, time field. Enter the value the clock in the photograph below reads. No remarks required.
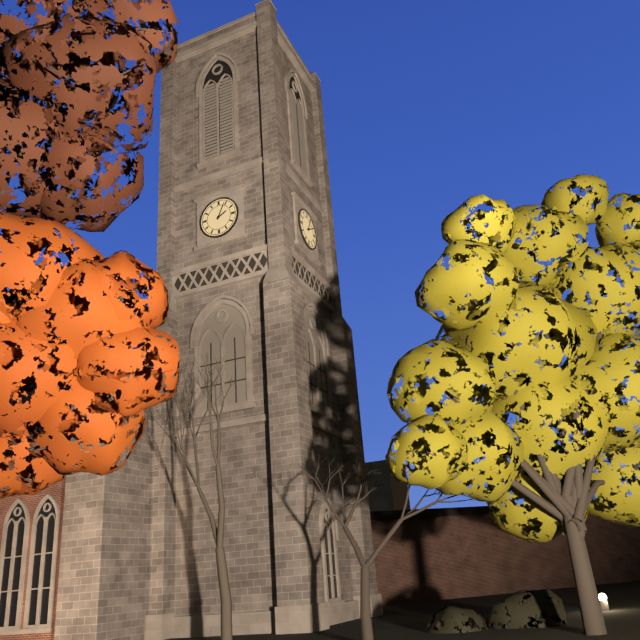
2:04
